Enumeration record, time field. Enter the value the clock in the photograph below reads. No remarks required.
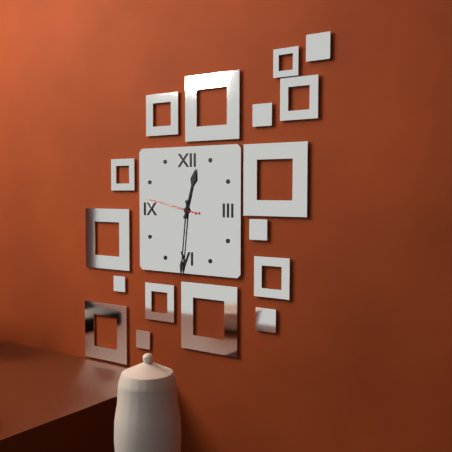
12:31:47
